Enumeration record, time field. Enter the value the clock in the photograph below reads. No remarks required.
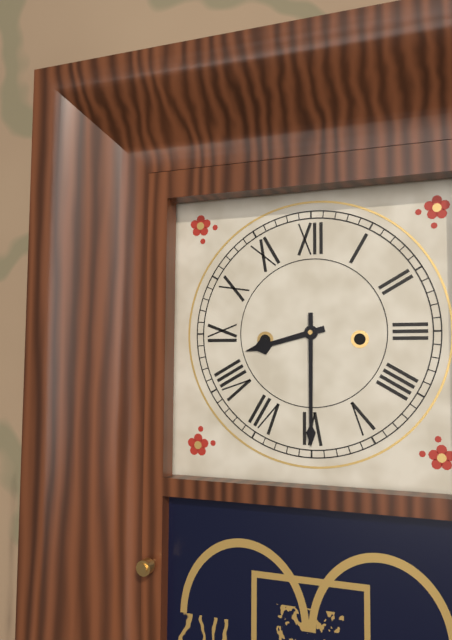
8:30
